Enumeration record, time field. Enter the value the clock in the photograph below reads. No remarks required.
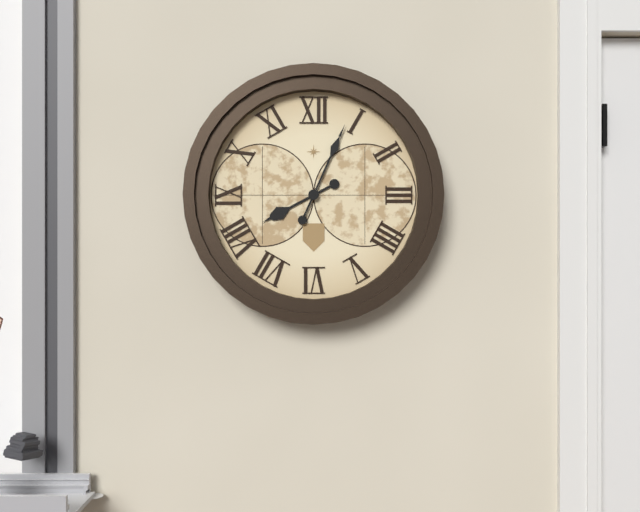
8:04
